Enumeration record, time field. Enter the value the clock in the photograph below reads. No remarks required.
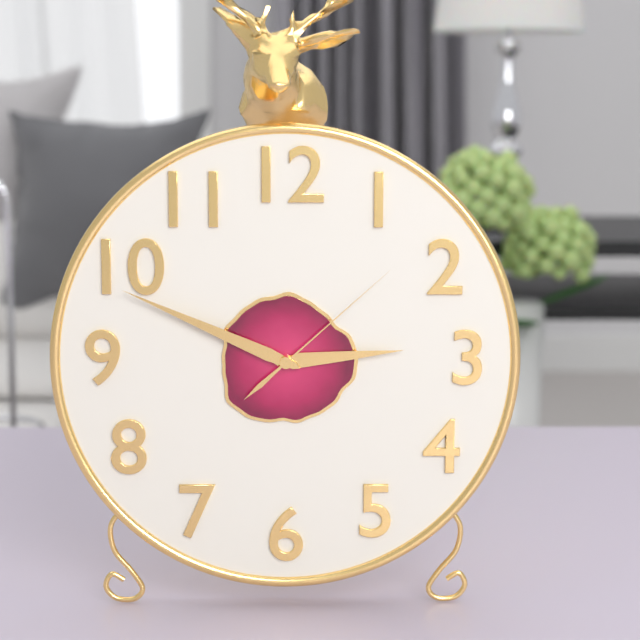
2:49:08
